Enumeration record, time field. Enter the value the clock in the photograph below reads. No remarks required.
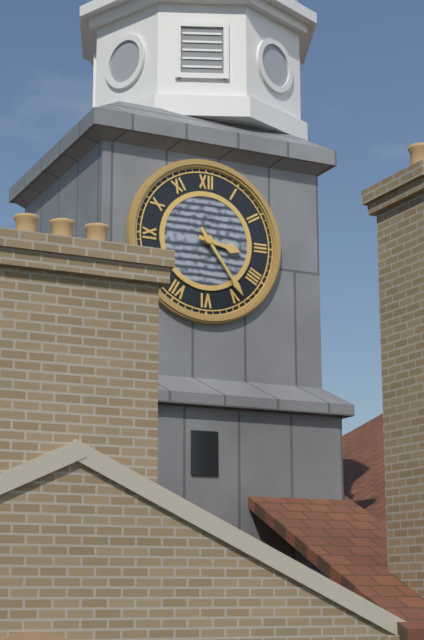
3:24
